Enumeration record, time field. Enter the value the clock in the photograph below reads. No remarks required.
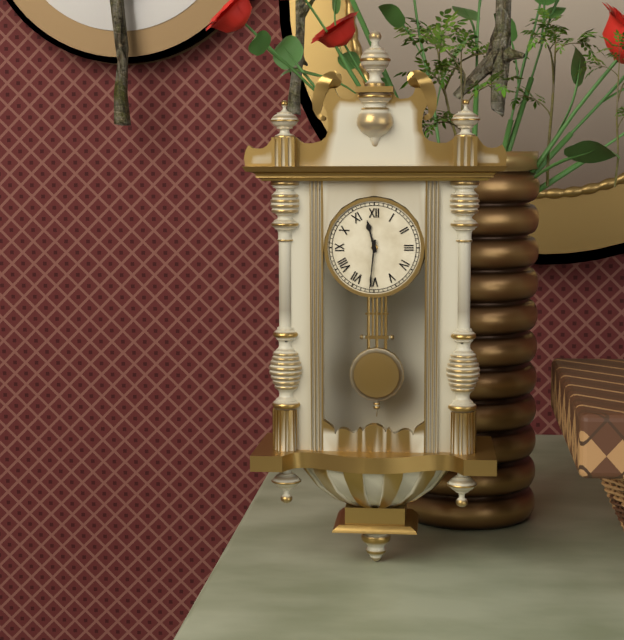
11:31
